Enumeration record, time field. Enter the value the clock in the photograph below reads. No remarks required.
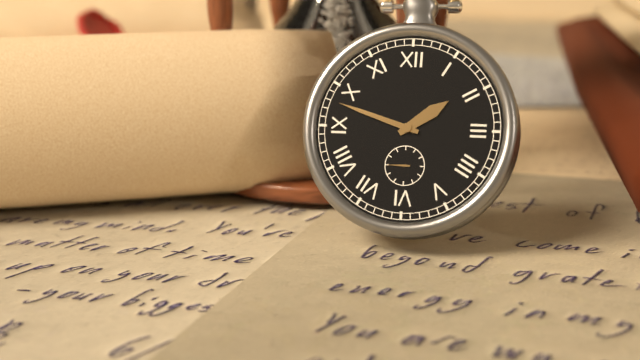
1:48
